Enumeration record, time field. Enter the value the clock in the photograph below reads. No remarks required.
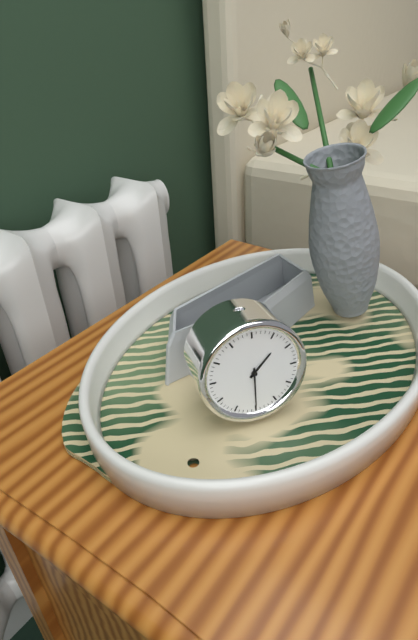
1:30
